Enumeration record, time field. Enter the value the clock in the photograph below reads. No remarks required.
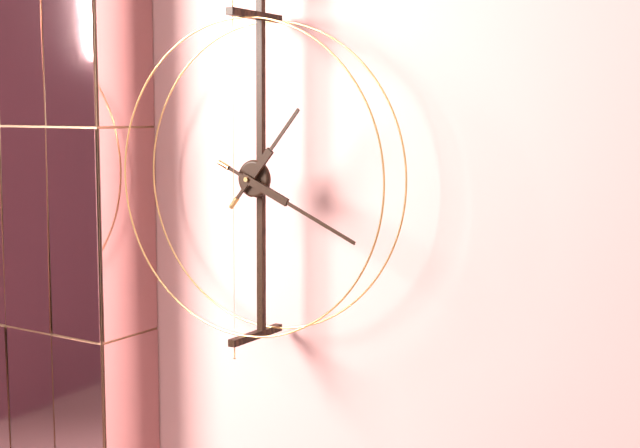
1:19
